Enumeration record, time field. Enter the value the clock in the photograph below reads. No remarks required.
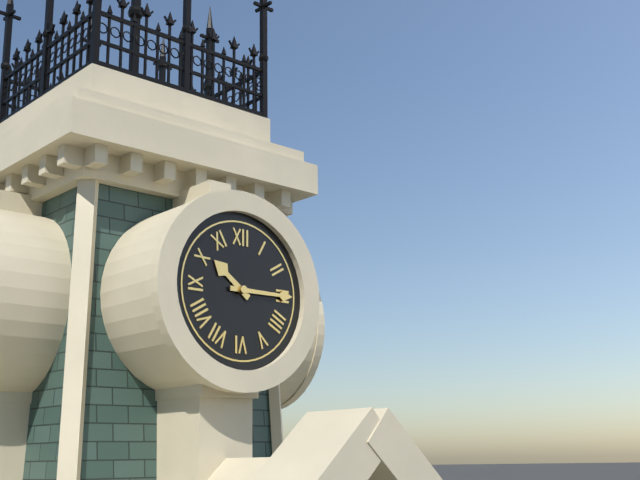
10:15
